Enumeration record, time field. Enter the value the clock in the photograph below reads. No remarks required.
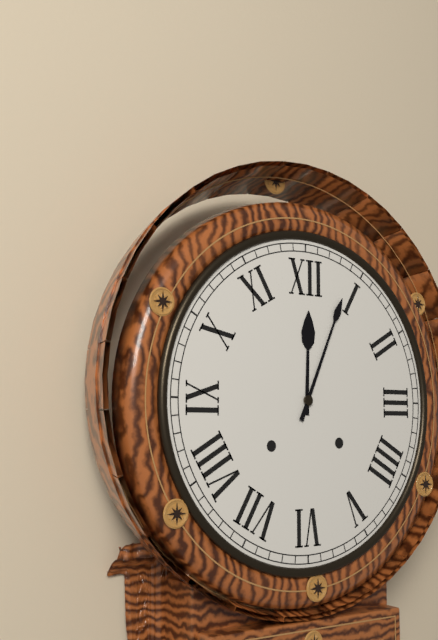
12:04
